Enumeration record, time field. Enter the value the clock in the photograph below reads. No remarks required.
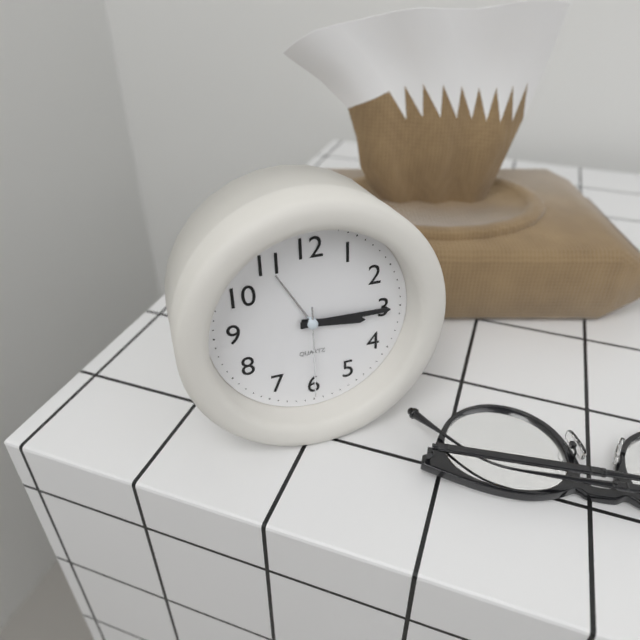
3:15:30
